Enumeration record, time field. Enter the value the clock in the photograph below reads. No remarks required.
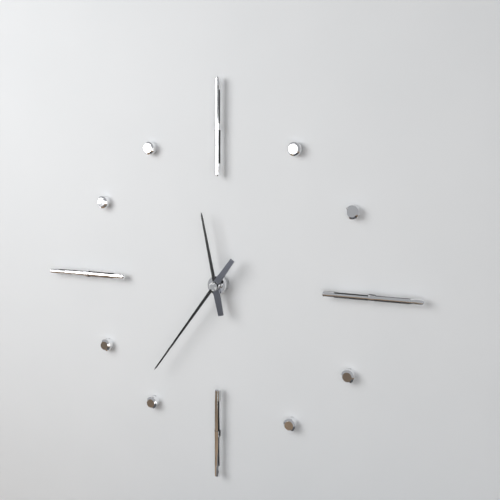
11:36
